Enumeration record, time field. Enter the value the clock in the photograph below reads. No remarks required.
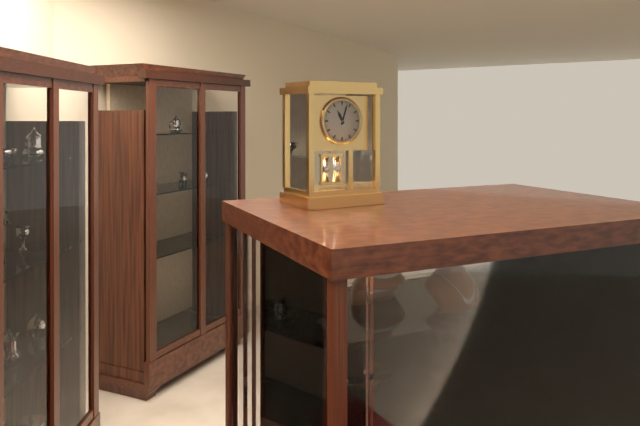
11:03
